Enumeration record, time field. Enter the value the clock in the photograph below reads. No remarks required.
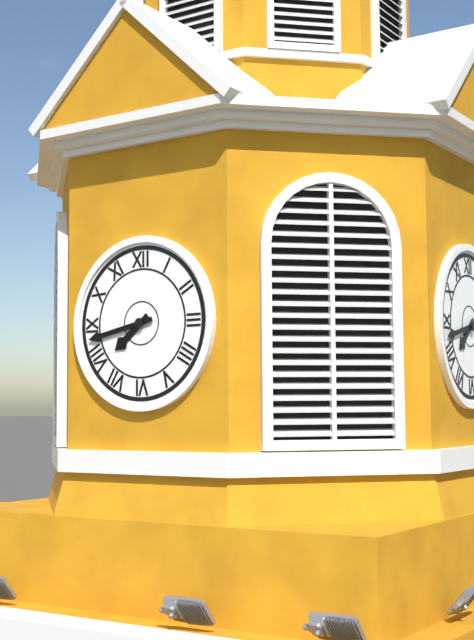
7:43
